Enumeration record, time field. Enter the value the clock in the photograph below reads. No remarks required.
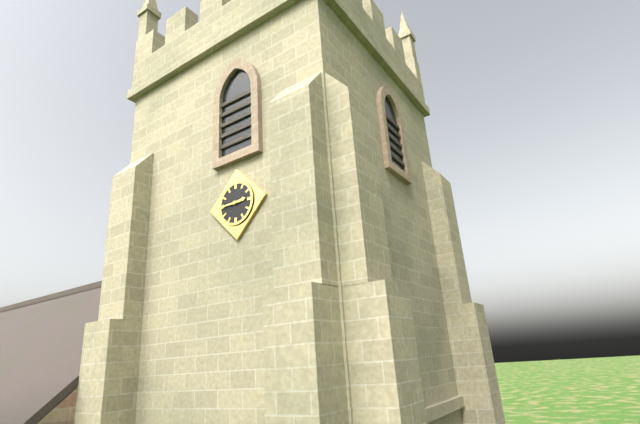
2:45
